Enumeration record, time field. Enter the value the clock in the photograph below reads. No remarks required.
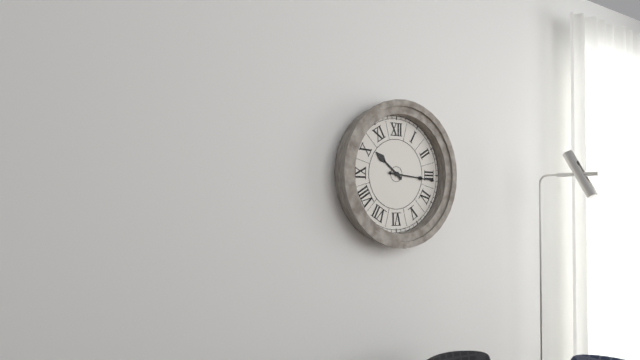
10:16
